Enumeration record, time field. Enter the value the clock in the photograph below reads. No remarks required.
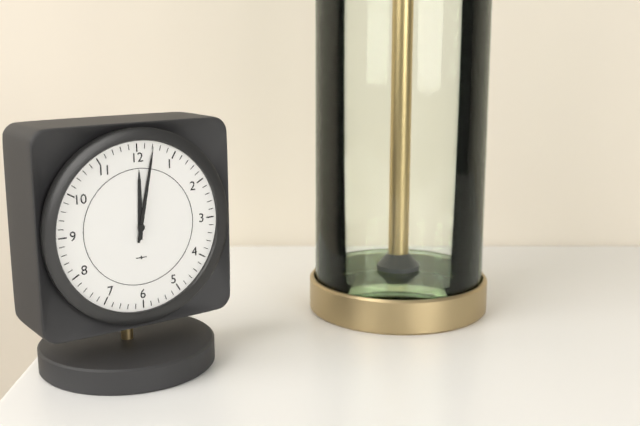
12:02
